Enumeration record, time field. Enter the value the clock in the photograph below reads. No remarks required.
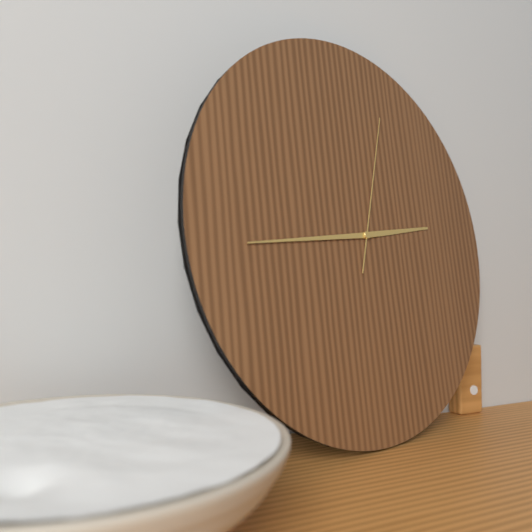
2:44:03
